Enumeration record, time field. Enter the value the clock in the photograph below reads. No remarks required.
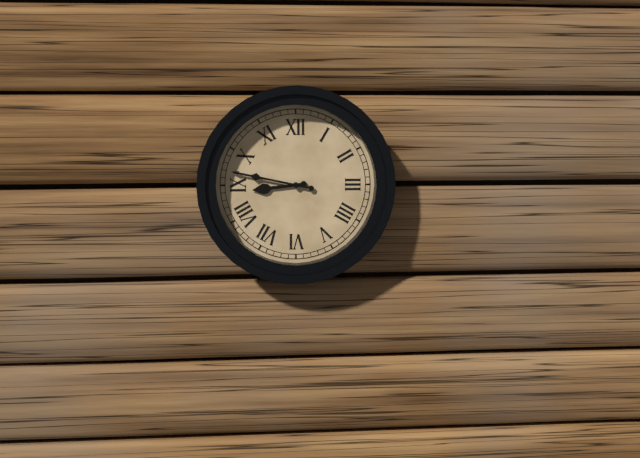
8:47
